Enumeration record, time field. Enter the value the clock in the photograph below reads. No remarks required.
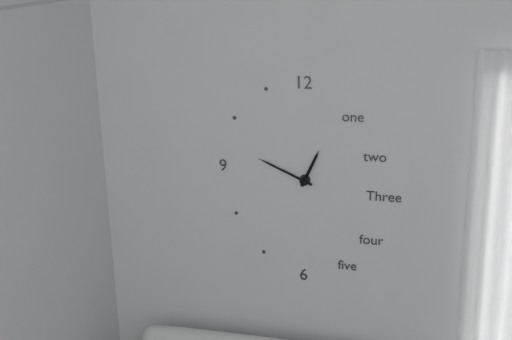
12:49
